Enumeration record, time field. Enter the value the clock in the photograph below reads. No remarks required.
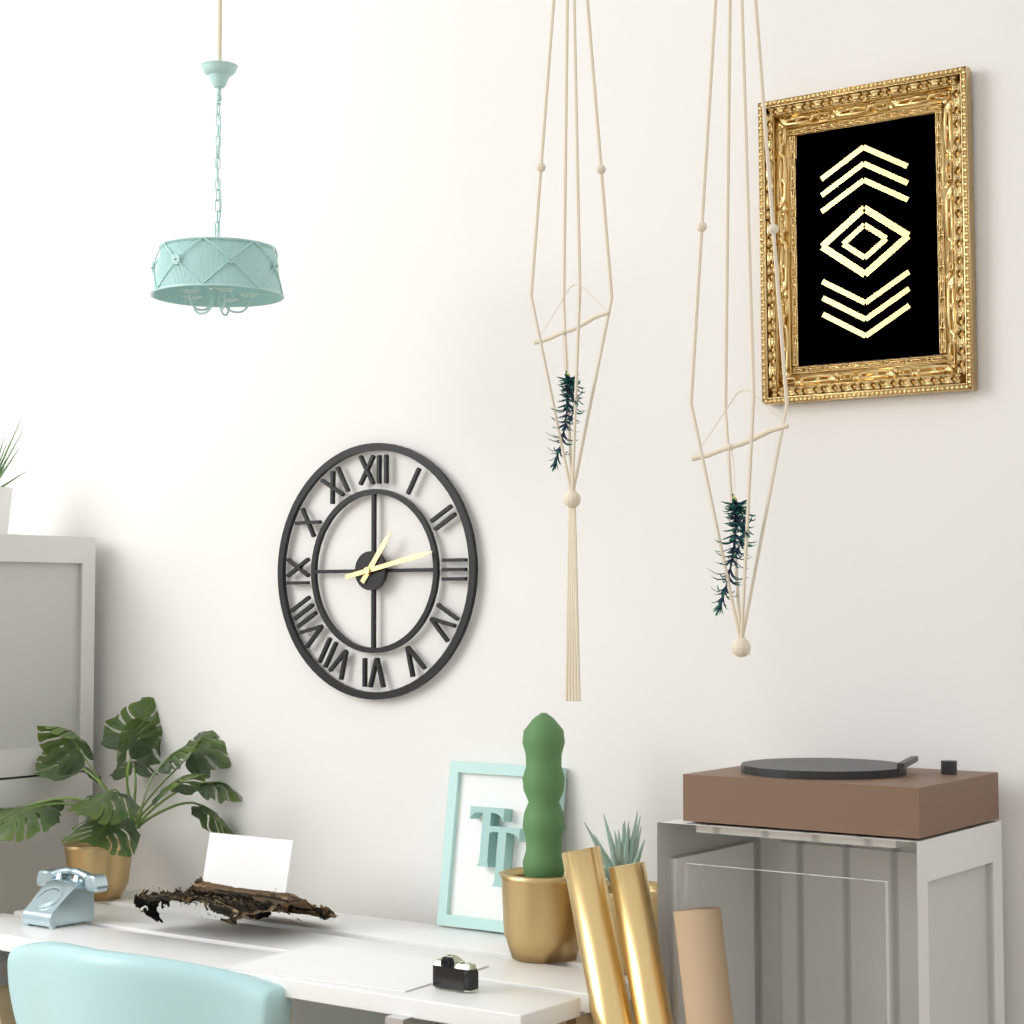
1:13
